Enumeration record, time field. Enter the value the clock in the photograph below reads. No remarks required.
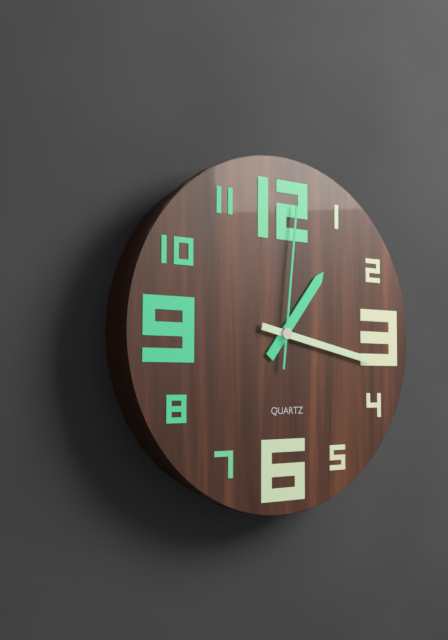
1:17:01
